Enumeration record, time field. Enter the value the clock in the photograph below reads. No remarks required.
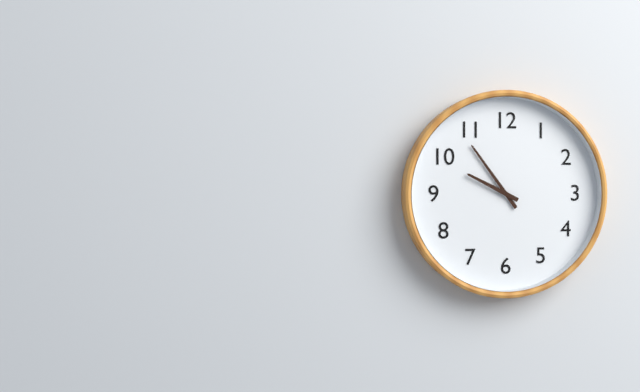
9:54
